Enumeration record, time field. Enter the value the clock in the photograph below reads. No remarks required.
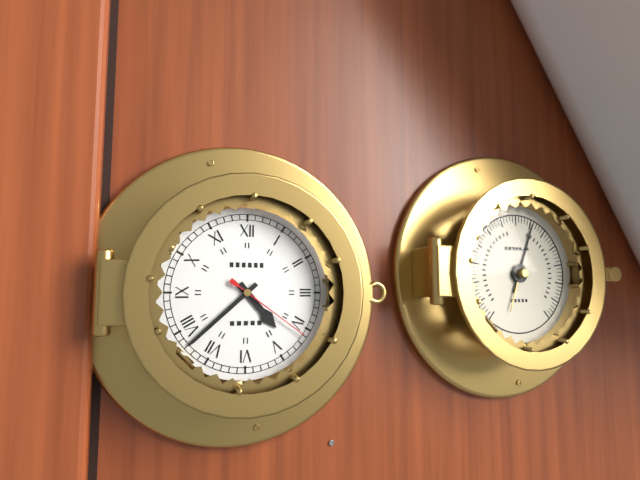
4:38:21
